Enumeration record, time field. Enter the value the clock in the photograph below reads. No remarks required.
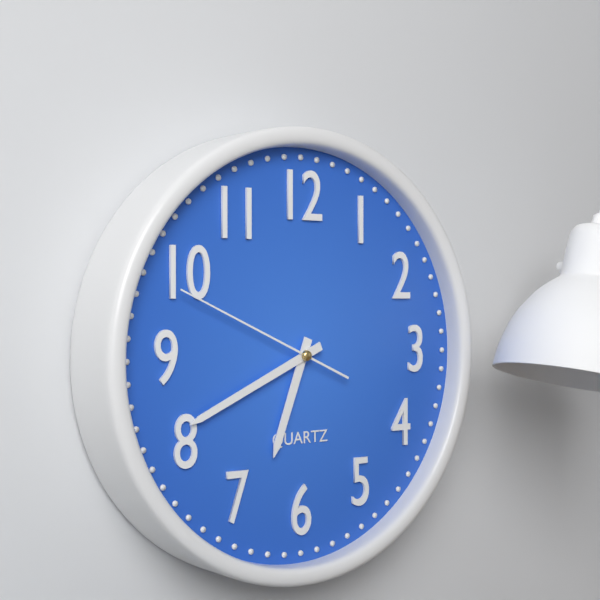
6:41:49
